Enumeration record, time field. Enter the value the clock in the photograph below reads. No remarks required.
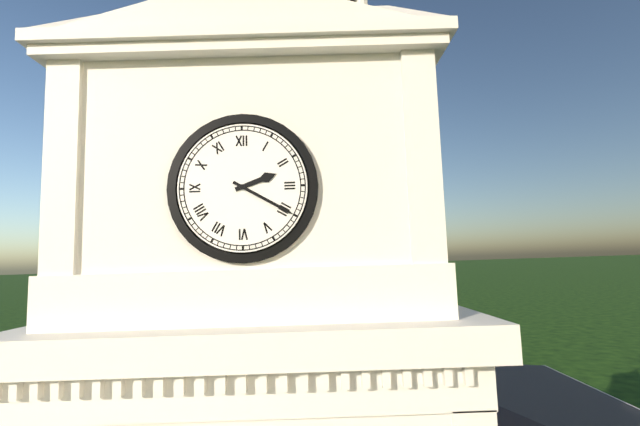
2:20
